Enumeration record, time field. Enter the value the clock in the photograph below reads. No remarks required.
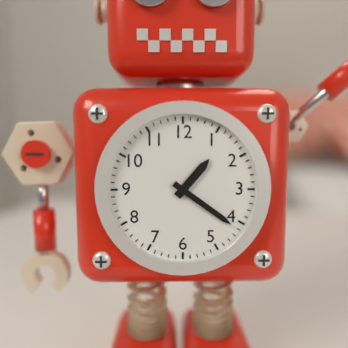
1:21
